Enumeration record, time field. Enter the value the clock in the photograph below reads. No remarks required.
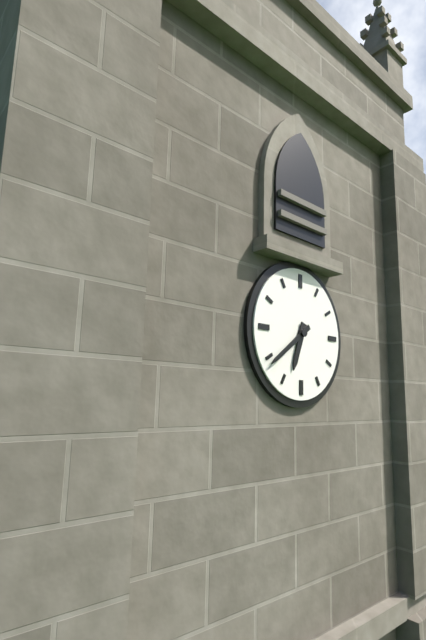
6:39
